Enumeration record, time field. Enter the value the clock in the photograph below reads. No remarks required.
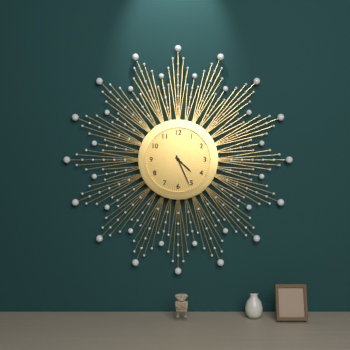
4:26
